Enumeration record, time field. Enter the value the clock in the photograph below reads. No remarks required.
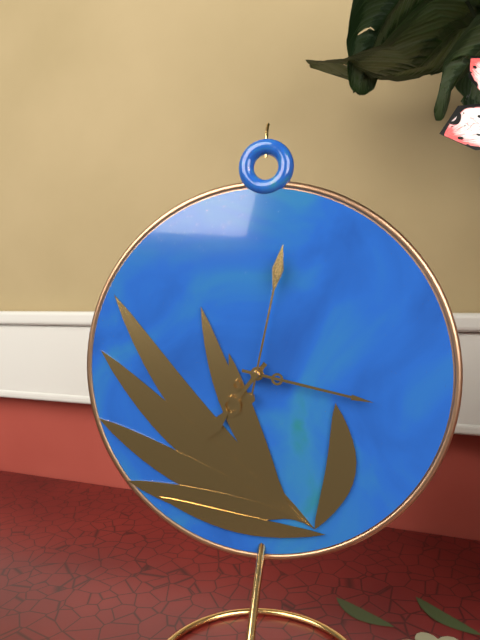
7:17:02
